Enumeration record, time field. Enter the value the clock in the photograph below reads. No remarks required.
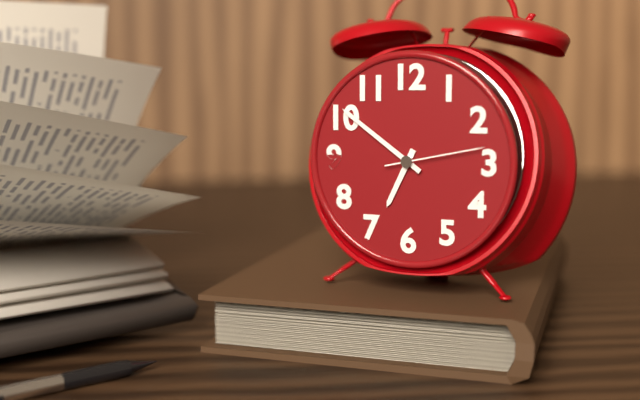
6:51:13
